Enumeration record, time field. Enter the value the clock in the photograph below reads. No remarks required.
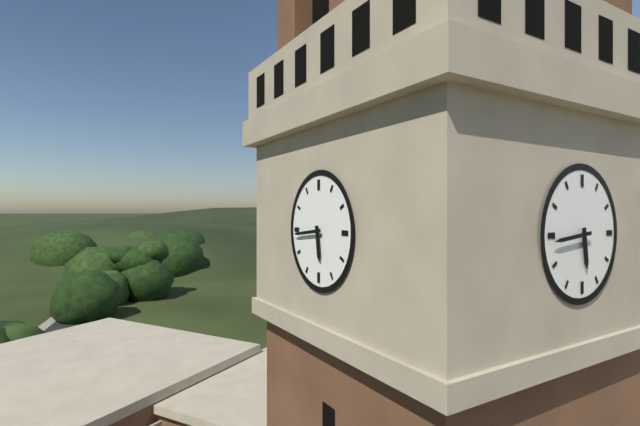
5:44
